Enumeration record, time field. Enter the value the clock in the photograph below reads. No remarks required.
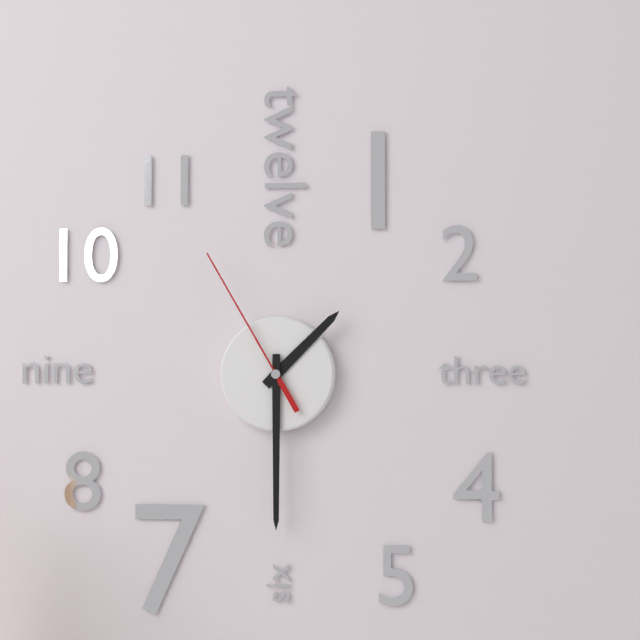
1:30:55
